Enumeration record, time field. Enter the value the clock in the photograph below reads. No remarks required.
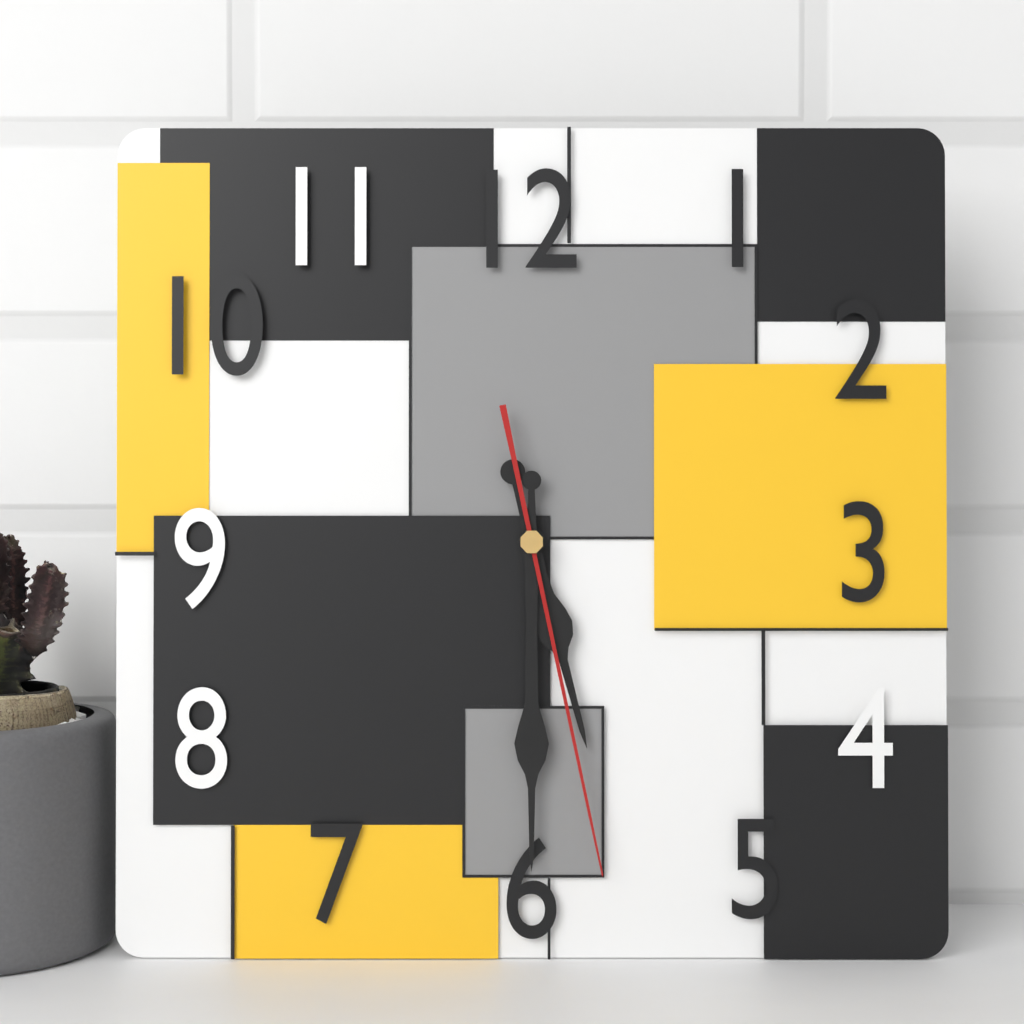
5:30:28
